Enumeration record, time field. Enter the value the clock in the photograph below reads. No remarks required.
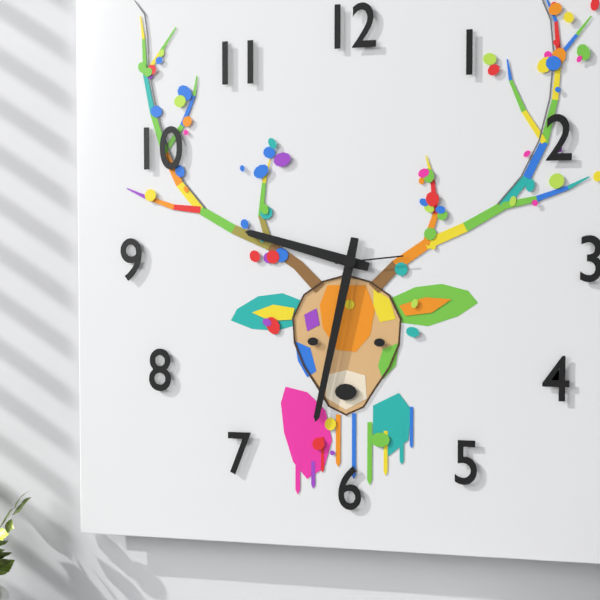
9:32:14
